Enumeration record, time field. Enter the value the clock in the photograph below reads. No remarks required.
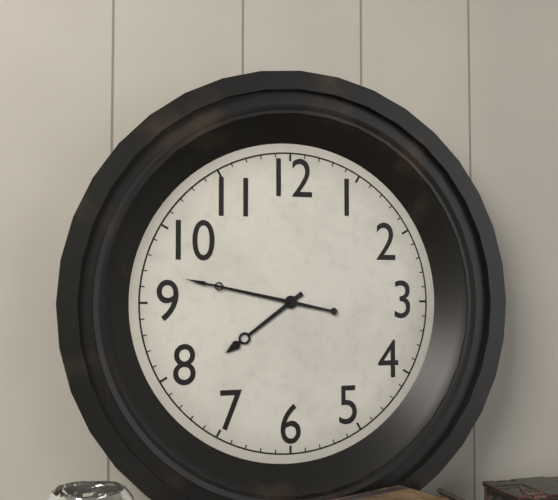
7:47
